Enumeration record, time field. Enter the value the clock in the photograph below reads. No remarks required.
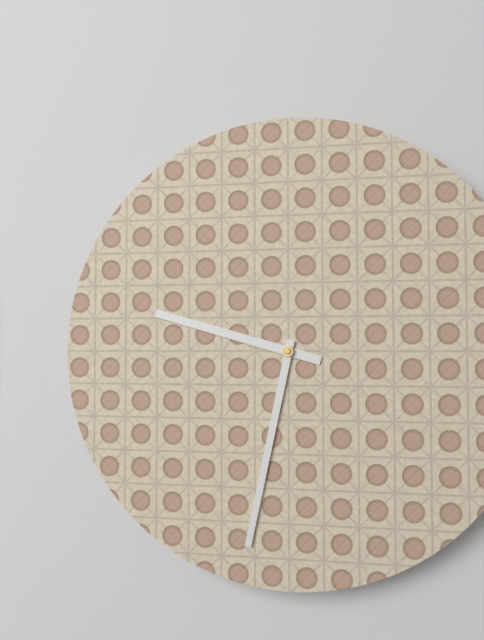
9:32
